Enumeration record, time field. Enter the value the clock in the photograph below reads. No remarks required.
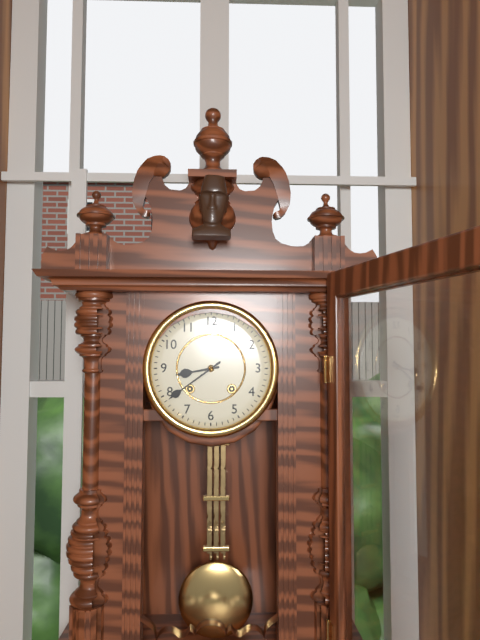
8:39
